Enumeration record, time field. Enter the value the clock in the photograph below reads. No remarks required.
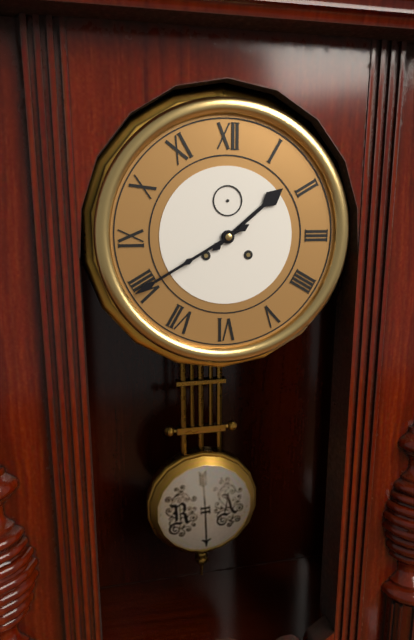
1:40
